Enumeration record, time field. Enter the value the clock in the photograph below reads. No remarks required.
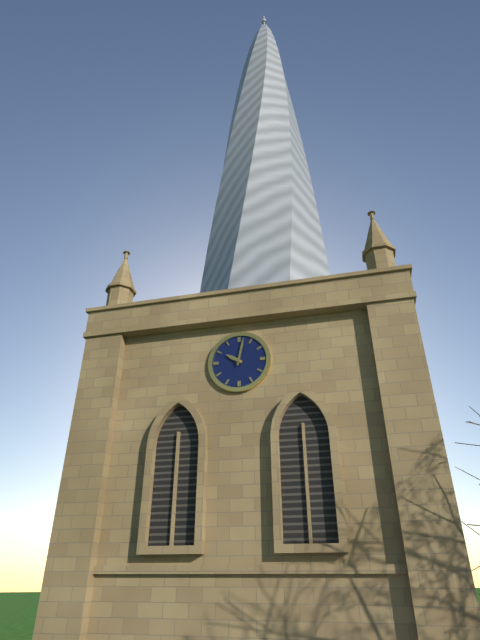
10:02
